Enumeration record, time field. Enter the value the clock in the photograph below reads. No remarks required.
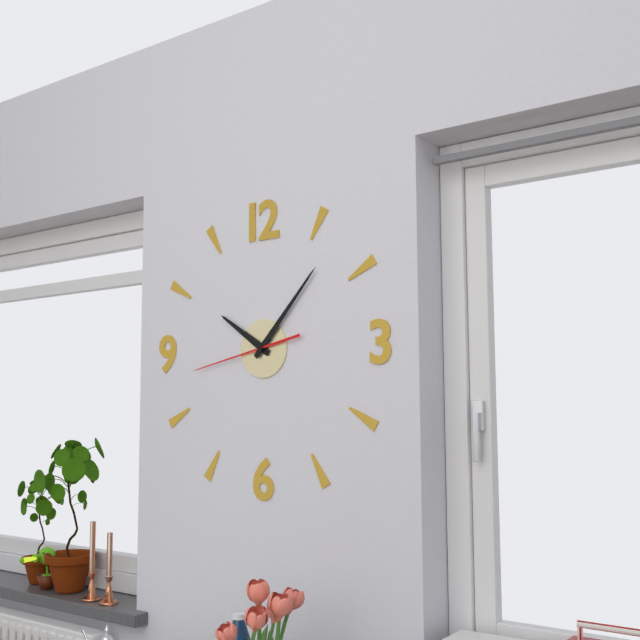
10:07:43
